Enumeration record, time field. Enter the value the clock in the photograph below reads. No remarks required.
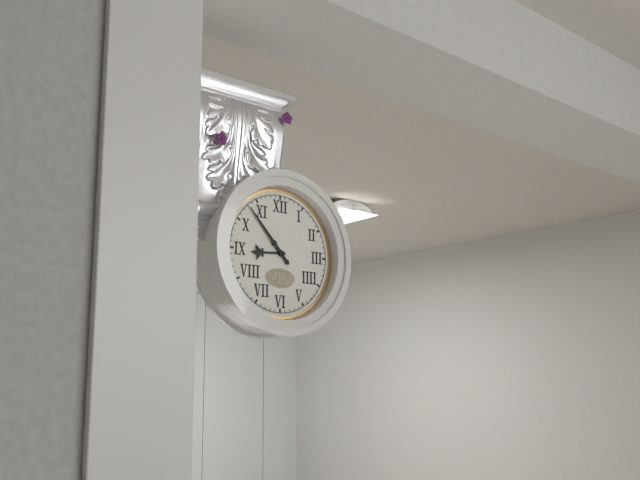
8:53
